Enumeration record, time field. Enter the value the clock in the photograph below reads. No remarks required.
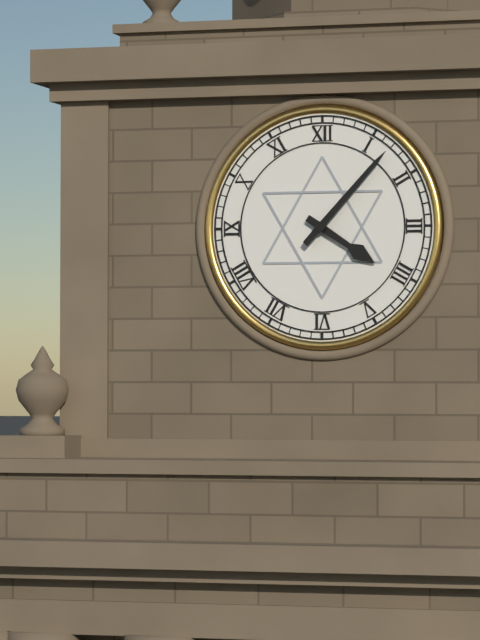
4:07
